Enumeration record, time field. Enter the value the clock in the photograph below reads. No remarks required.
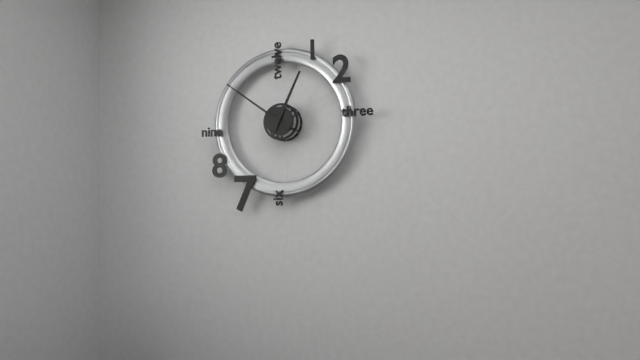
12:51
